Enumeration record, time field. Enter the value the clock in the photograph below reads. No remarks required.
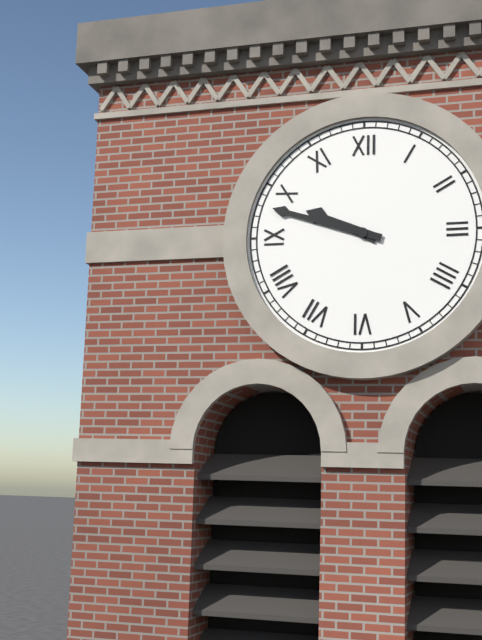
9:48
